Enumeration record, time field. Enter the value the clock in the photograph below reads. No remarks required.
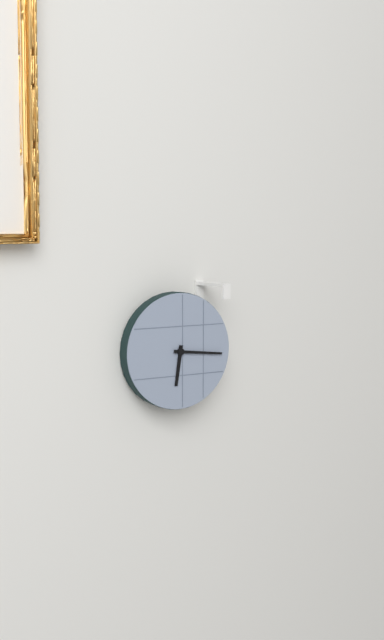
6:16
